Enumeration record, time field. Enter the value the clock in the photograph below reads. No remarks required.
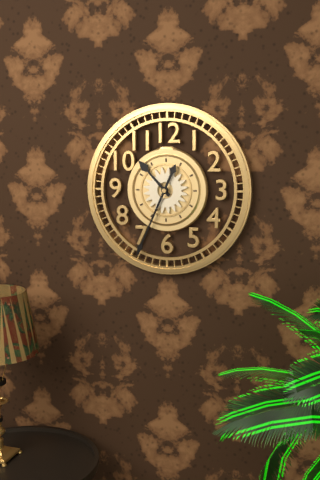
10:34
